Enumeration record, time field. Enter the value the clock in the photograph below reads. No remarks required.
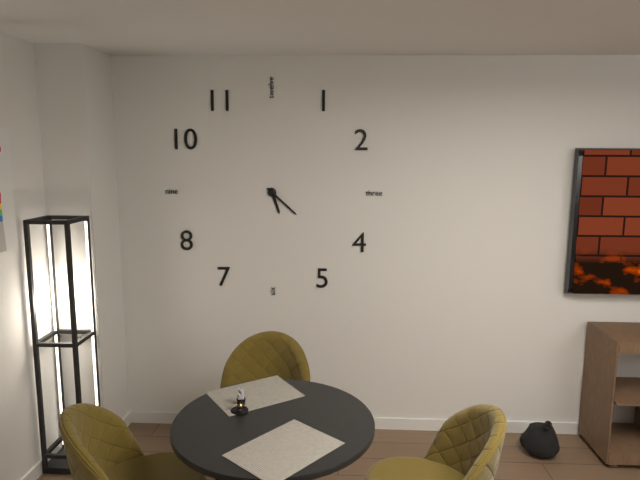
5:22
